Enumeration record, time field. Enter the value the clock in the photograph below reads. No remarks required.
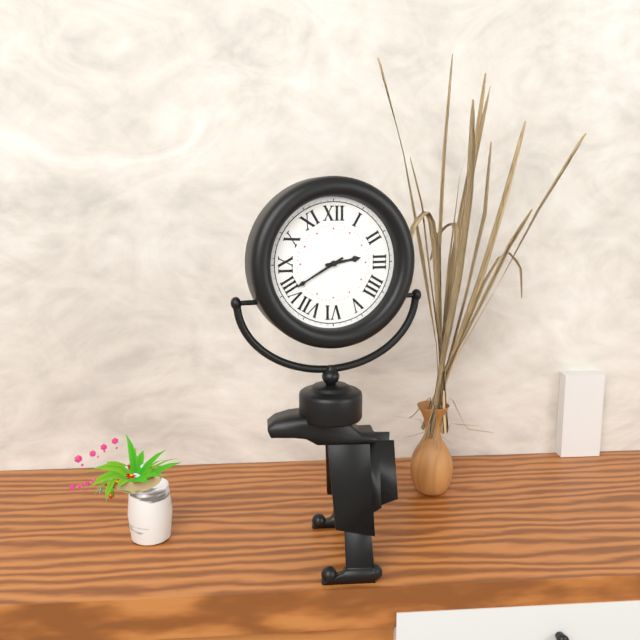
2:40
